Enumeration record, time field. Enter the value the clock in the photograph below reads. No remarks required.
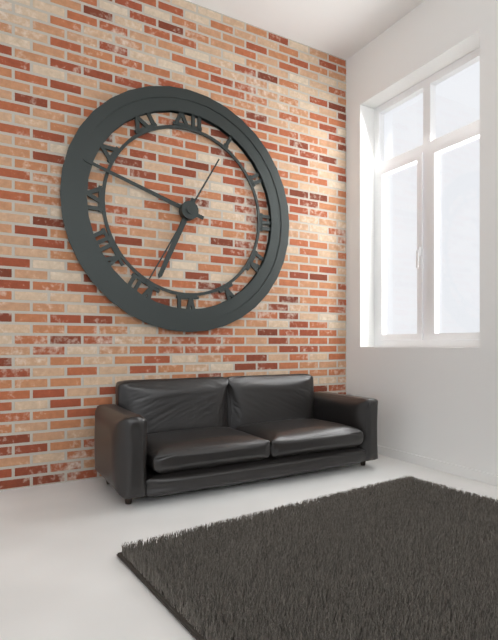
6:48:35
